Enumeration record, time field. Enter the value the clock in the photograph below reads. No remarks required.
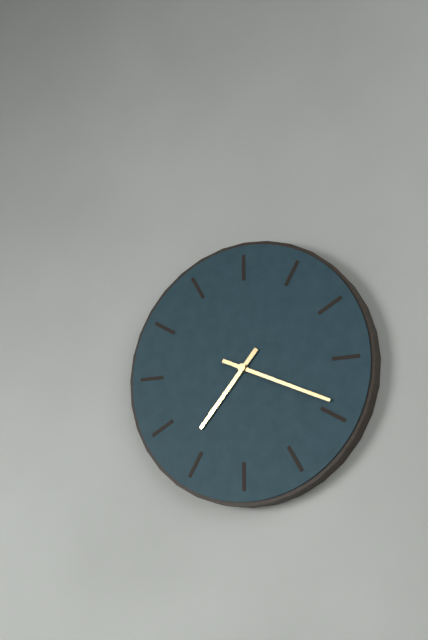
7:19
